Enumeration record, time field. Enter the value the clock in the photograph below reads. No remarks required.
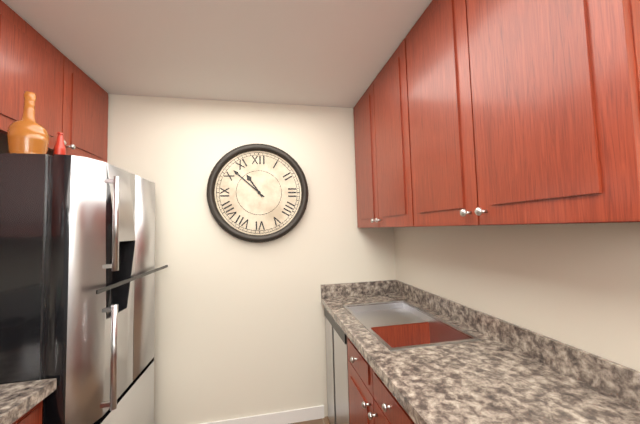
10:52
